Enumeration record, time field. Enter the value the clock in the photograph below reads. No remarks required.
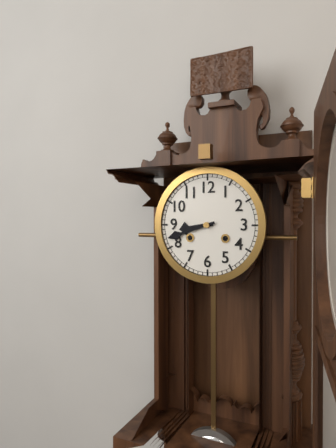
8:42
